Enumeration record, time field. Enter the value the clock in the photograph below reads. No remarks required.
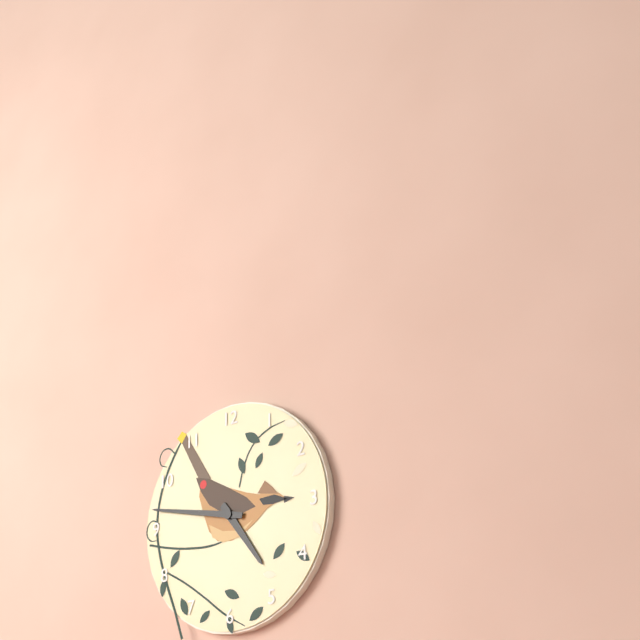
4:47
